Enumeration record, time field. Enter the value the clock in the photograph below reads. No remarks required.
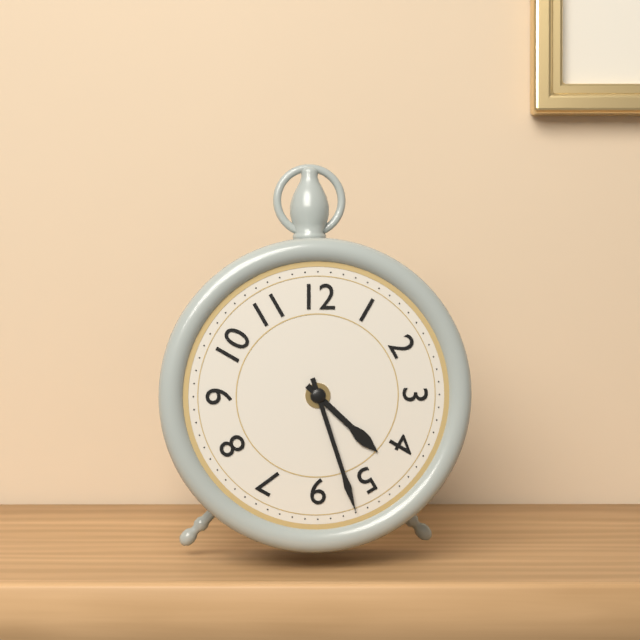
4:27
